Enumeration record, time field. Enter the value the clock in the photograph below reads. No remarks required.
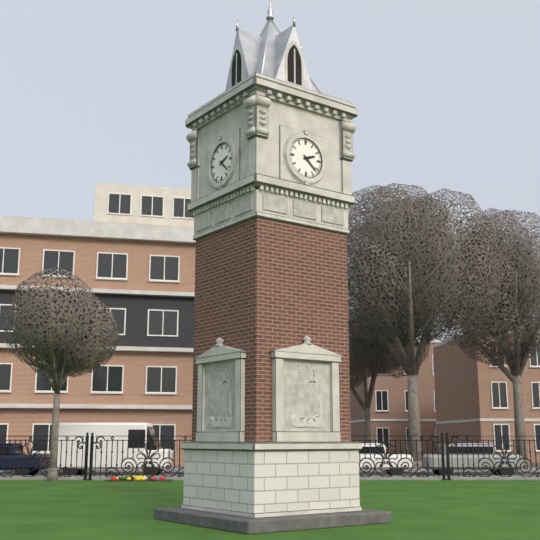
2:22
